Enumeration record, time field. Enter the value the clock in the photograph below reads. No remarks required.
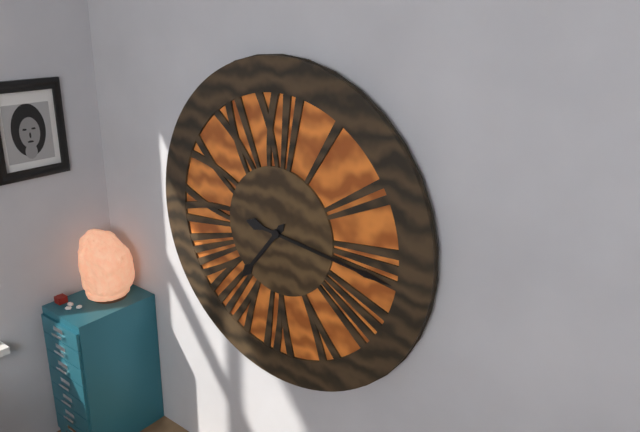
7:16
